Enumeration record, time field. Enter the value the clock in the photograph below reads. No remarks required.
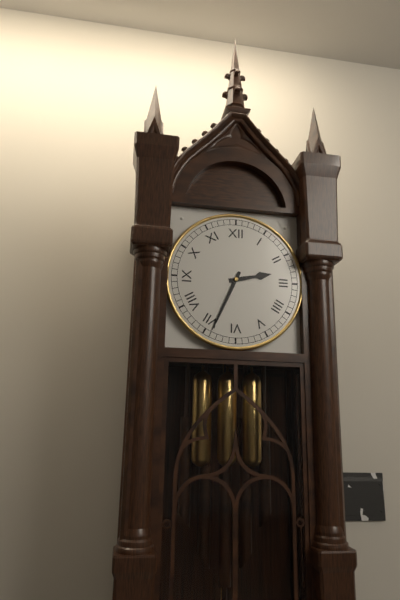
2:34
